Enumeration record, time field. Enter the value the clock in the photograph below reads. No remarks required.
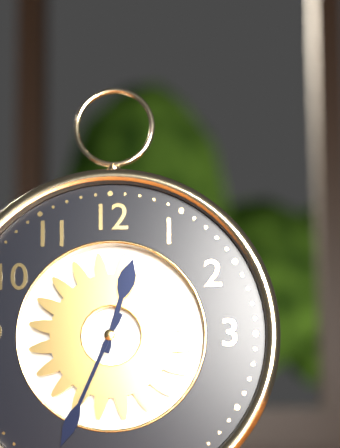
12:34
